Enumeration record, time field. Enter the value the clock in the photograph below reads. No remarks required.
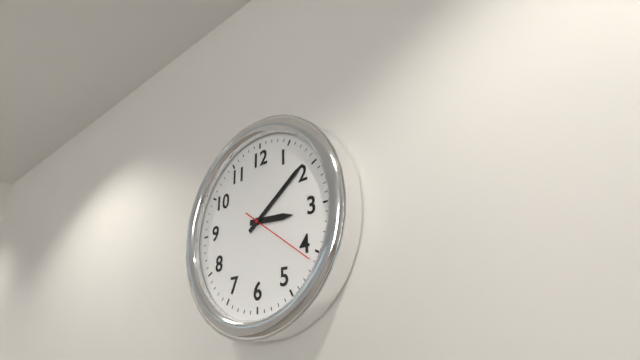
3:09:21
